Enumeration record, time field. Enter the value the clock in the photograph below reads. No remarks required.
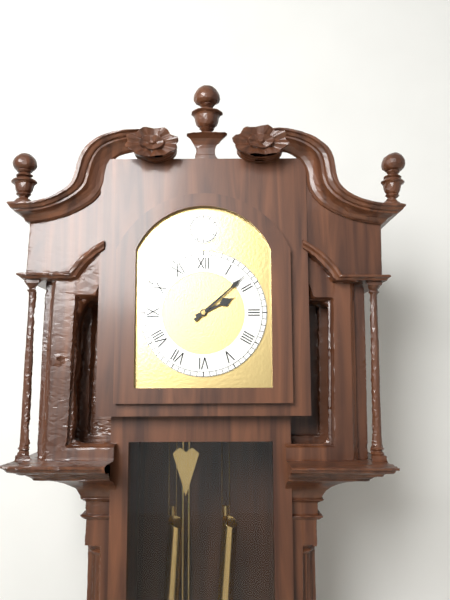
2:08
